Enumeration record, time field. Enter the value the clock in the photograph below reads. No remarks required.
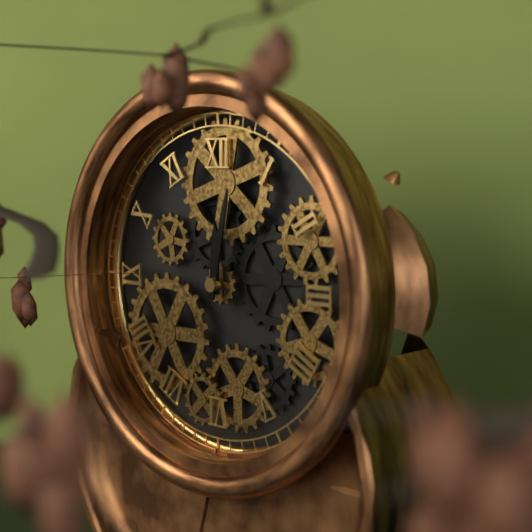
12:02
